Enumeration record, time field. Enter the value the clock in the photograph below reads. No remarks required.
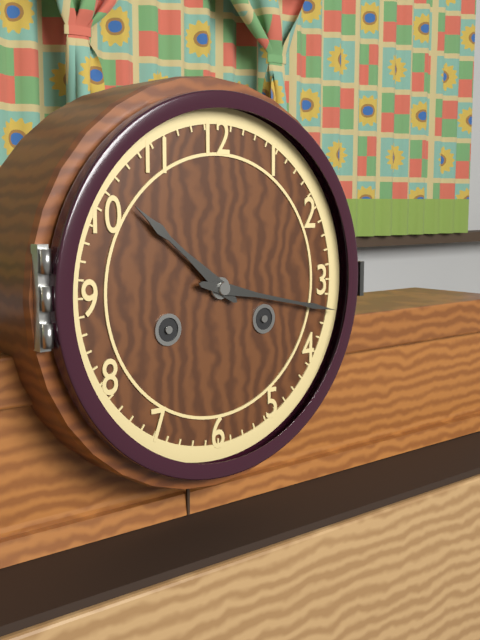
10:17
